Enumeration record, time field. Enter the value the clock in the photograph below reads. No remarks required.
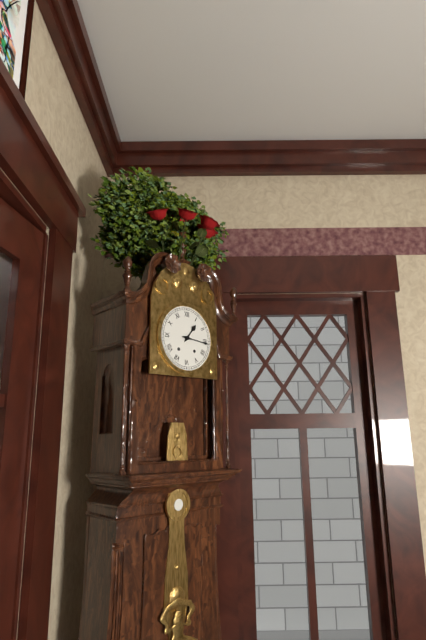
1:16
